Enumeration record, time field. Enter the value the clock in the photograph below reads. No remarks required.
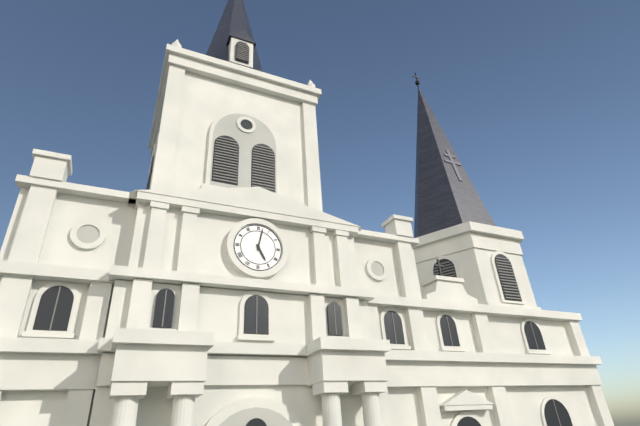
5:02
